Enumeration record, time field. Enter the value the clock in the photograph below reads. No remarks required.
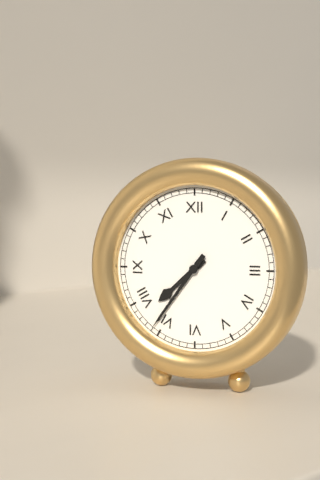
7:36
